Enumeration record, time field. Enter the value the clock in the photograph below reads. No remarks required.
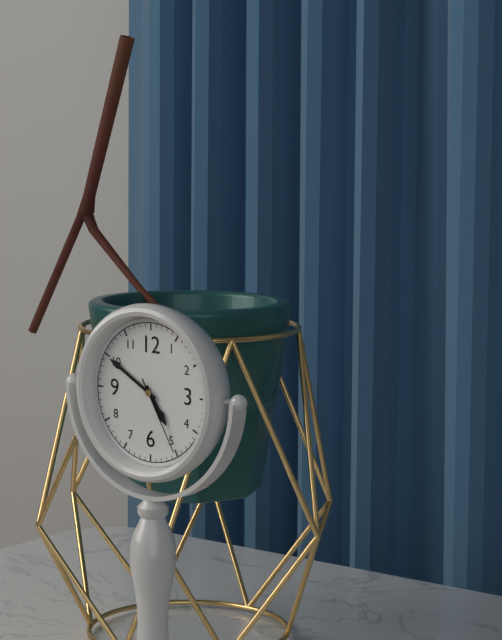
4:50:25
